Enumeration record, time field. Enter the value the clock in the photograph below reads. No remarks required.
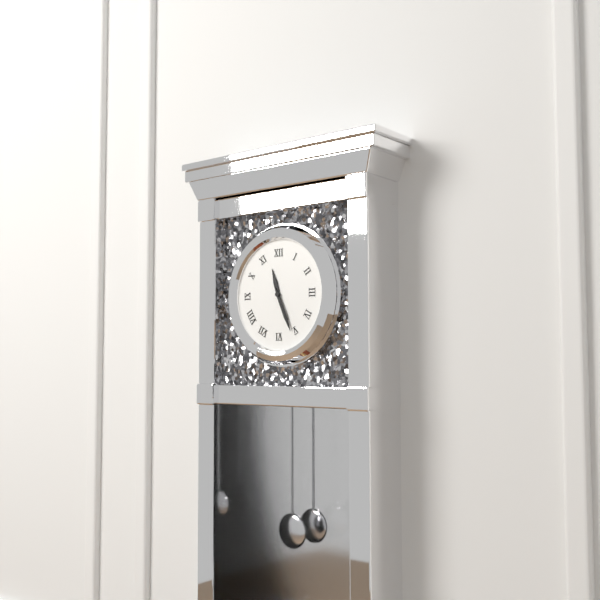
11:26
